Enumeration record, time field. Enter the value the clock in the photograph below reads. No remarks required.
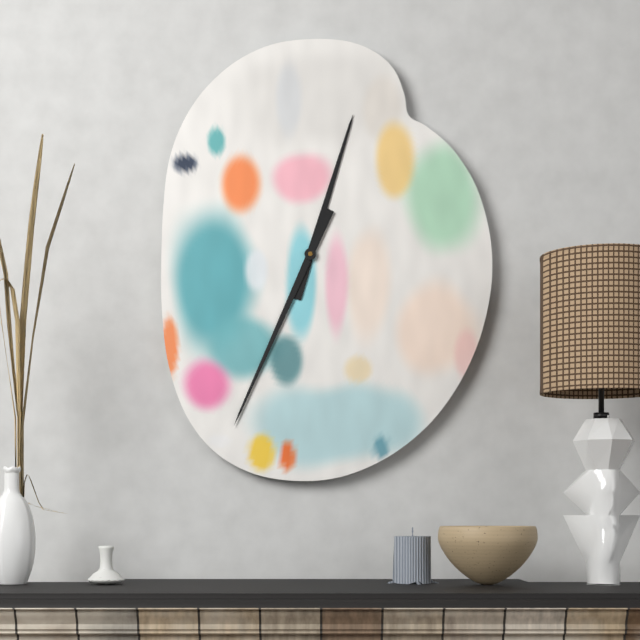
12:34
